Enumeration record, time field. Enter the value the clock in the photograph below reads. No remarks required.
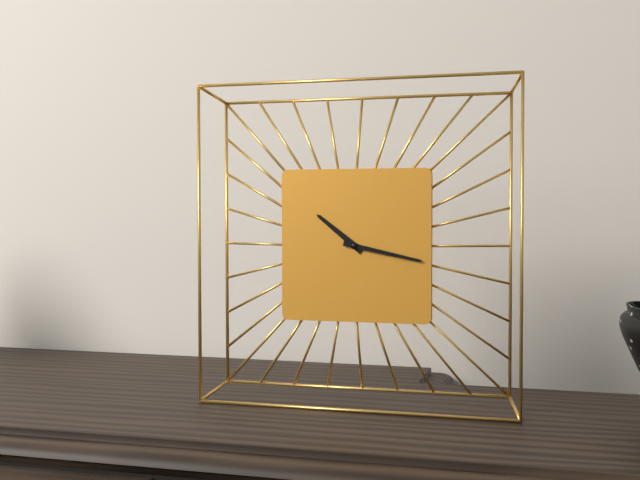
10:17
